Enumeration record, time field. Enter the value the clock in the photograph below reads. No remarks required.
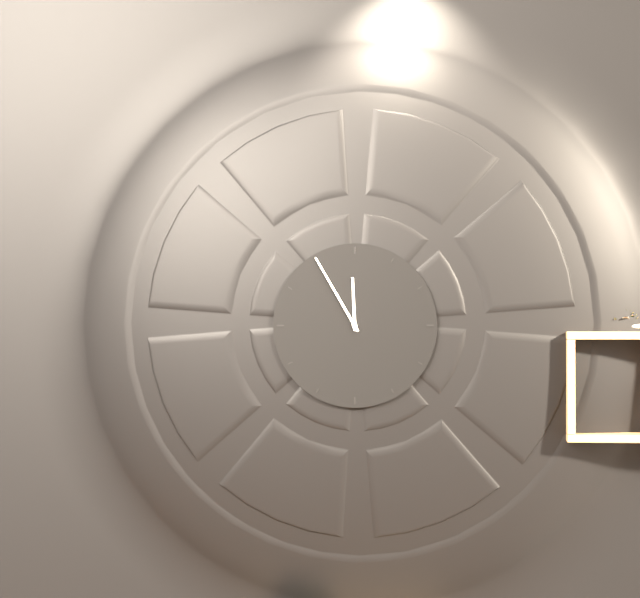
11:55
